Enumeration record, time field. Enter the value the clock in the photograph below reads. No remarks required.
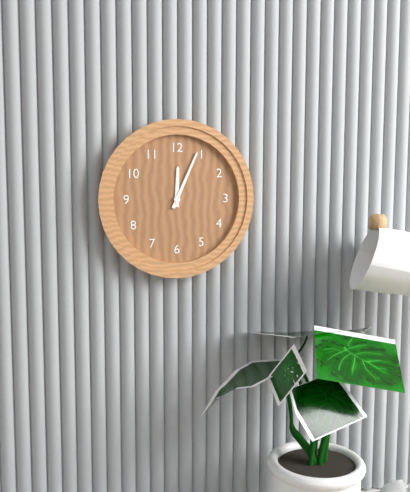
12:04
